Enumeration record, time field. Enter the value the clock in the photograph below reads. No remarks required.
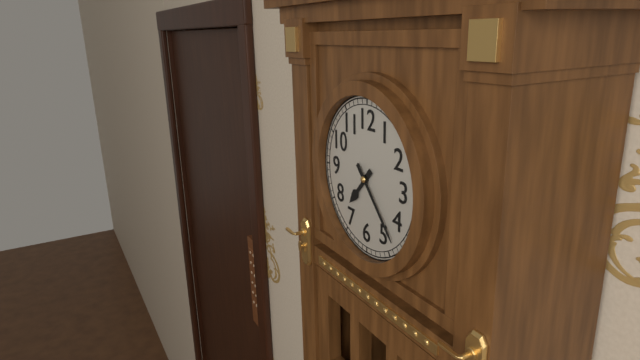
7:23
